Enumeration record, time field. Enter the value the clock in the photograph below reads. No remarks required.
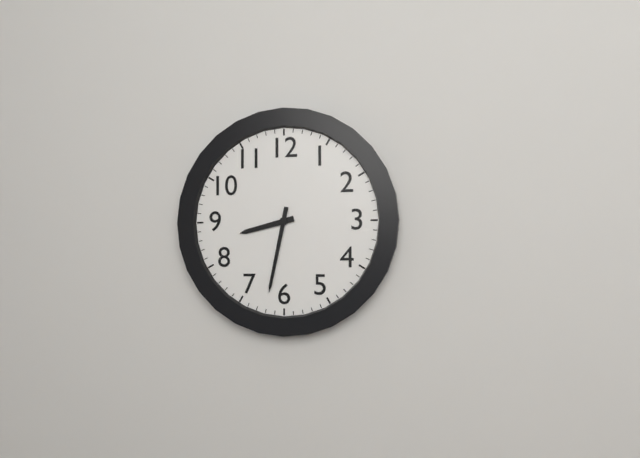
8:32
